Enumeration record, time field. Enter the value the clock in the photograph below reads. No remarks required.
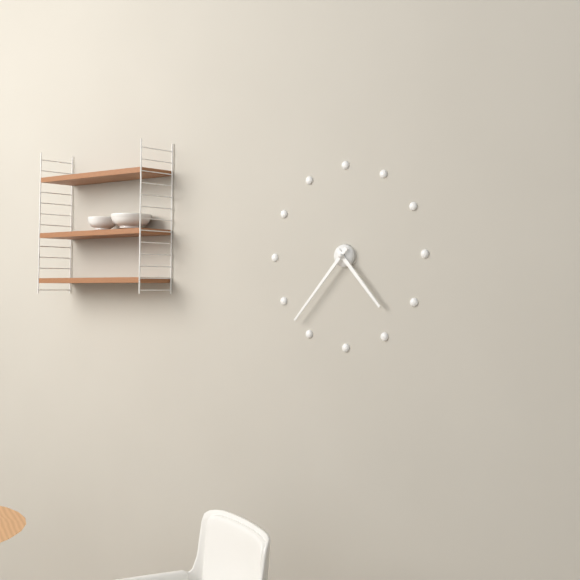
4:37
